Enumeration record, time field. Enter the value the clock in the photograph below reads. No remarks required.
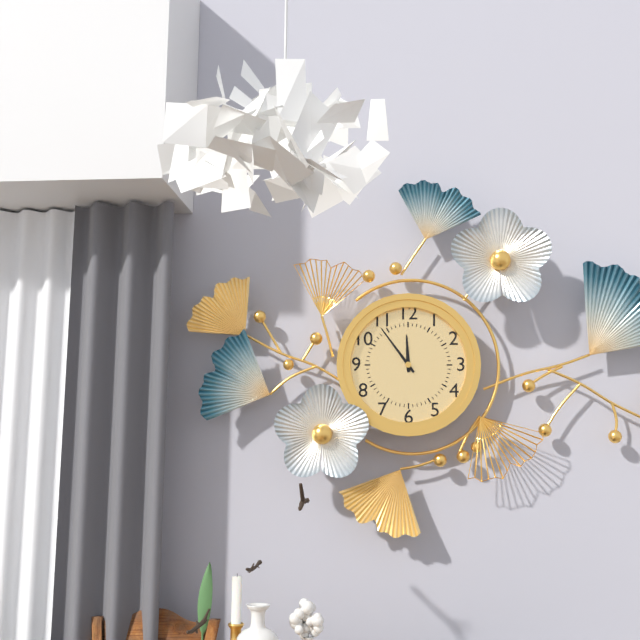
11:54
